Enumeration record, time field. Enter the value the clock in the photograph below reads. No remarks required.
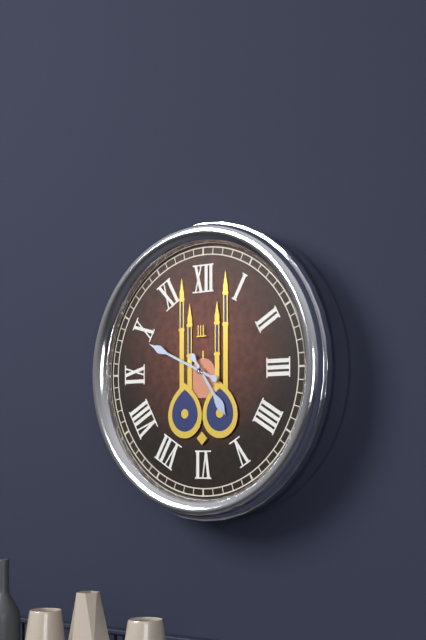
4:49
